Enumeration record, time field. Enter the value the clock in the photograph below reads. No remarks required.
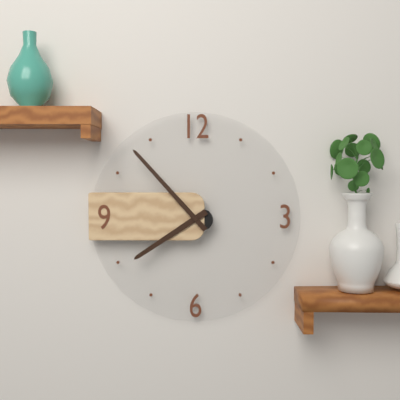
7:53
